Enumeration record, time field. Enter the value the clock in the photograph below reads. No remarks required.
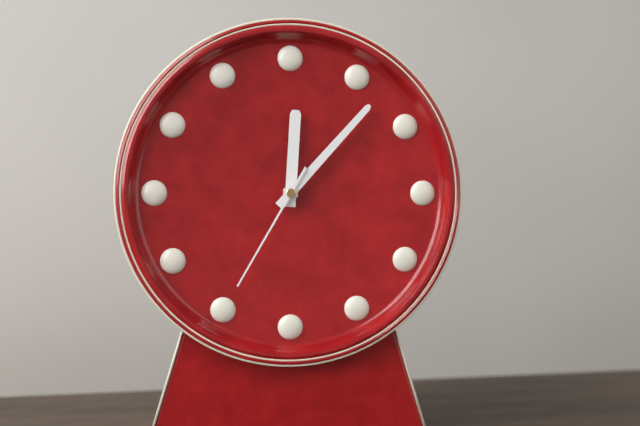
12:07:35
